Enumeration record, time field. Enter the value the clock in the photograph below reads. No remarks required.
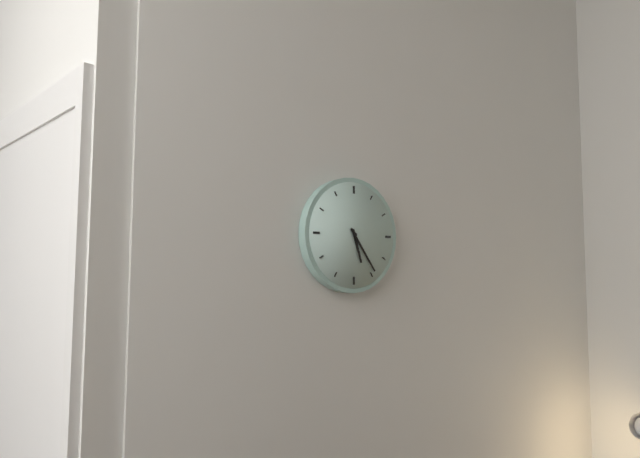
5:24
